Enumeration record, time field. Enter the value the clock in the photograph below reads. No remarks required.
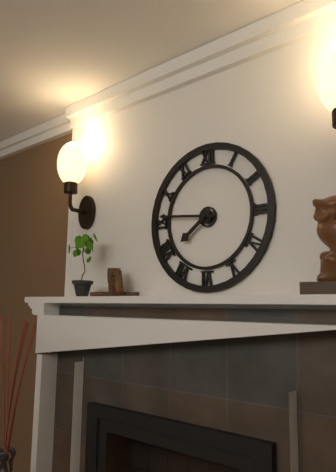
7:46
